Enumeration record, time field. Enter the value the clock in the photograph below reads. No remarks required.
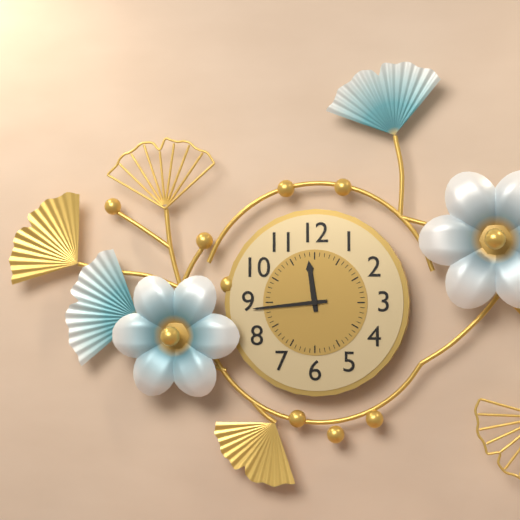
11:44
